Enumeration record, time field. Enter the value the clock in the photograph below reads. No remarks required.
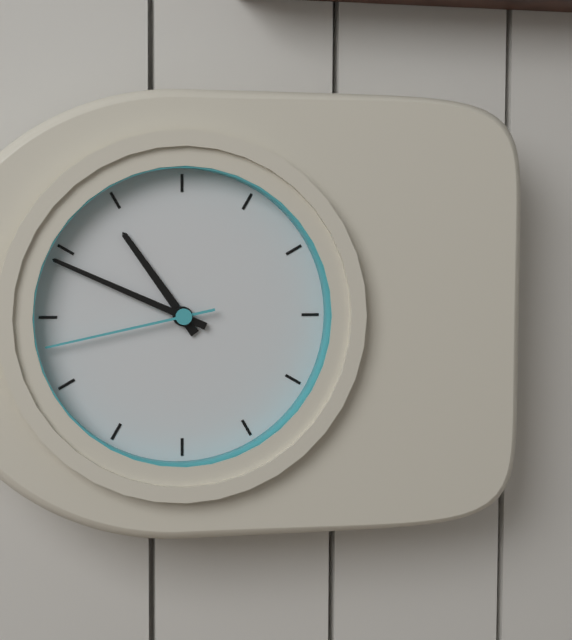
10:49:43
